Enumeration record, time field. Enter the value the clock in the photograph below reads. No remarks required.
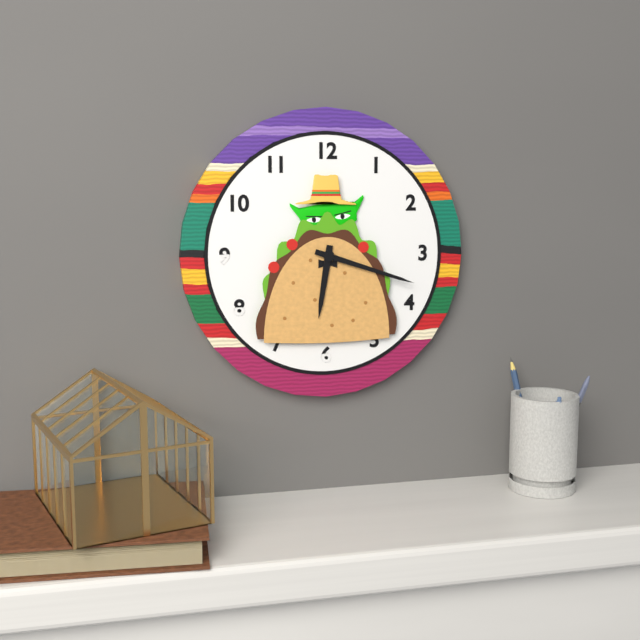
6:18
